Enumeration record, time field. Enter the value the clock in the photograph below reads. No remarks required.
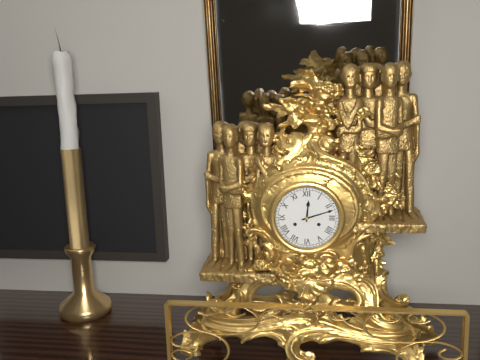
12:12
